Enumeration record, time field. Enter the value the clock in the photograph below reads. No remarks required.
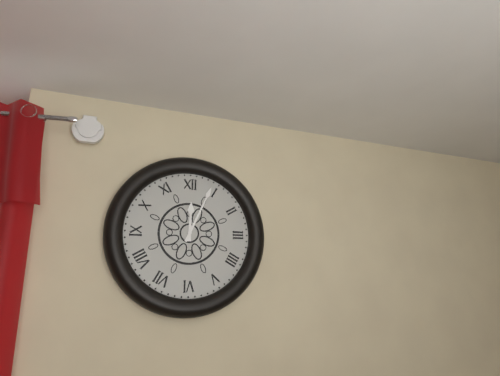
12:04
